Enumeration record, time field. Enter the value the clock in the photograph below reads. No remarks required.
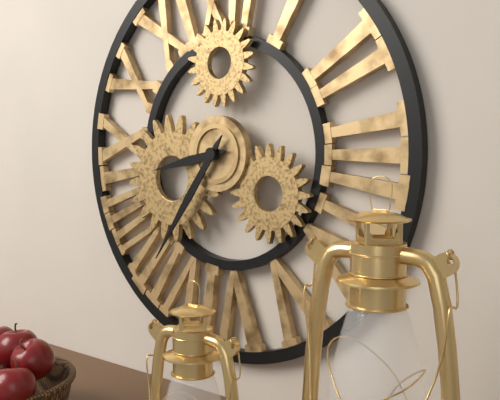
8:36
